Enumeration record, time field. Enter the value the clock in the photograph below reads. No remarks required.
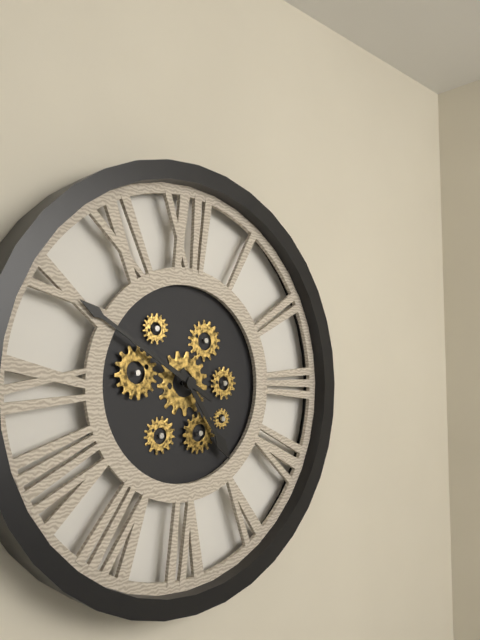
4:50
